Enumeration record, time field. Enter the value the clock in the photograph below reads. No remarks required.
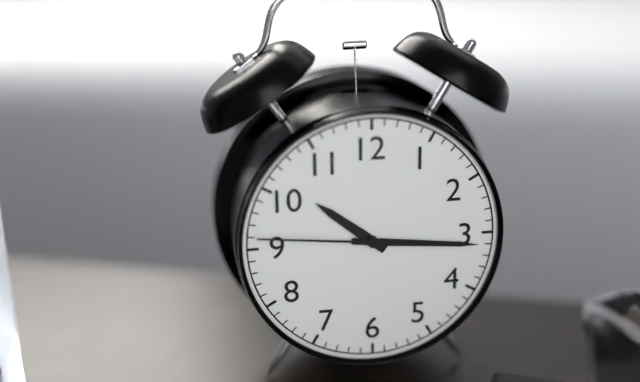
10:16:46
